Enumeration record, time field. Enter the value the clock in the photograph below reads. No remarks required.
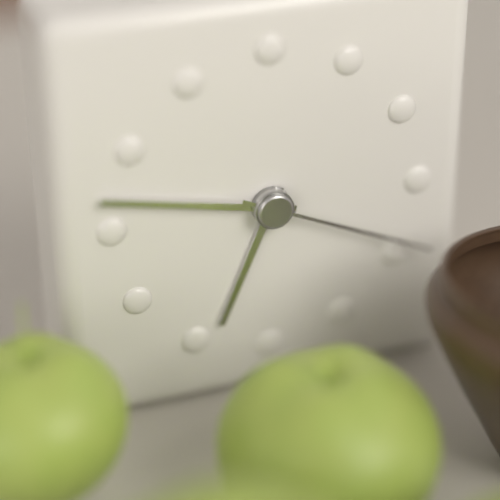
6:47:19
